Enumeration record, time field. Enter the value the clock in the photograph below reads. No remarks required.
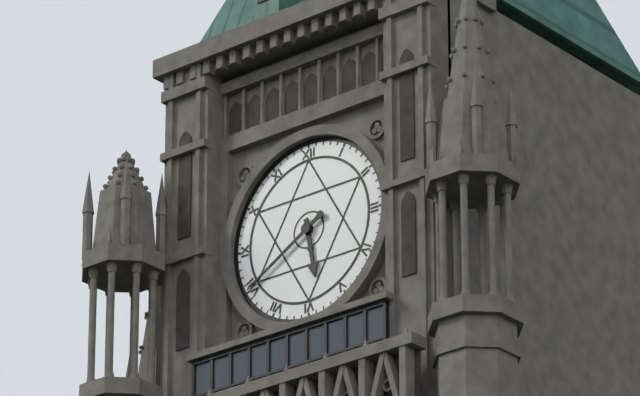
5:40
